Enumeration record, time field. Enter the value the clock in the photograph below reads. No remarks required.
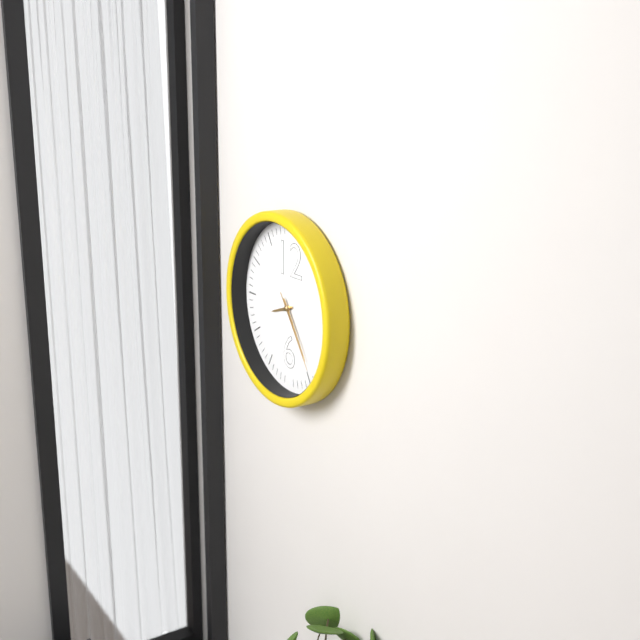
8:24:24
